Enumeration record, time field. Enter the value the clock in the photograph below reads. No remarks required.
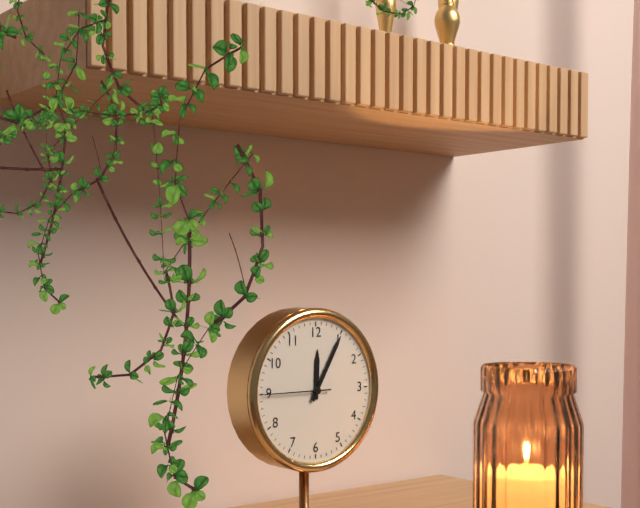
12:05:45
